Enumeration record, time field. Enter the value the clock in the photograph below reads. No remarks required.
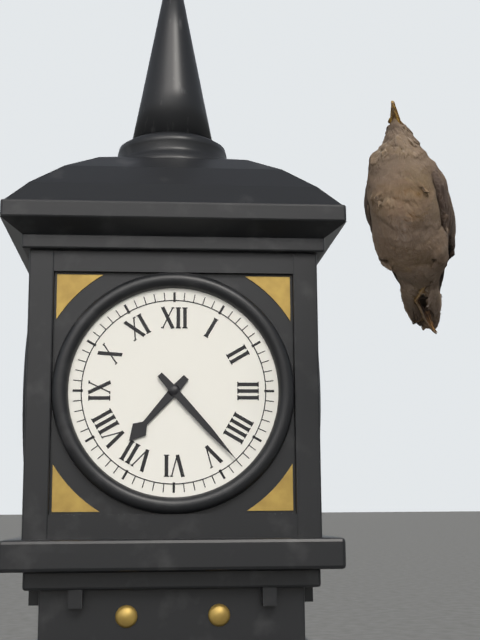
7:23
